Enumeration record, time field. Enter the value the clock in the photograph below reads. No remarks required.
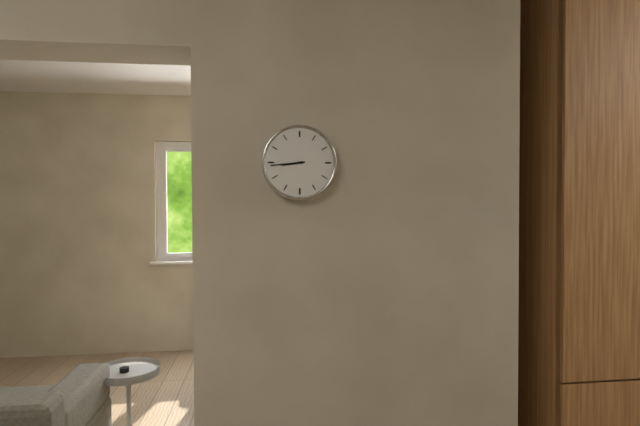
8:44
